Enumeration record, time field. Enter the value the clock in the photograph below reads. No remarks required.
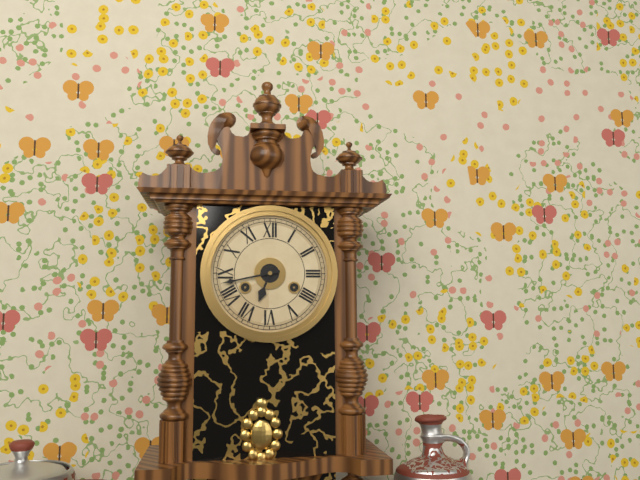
6:43
